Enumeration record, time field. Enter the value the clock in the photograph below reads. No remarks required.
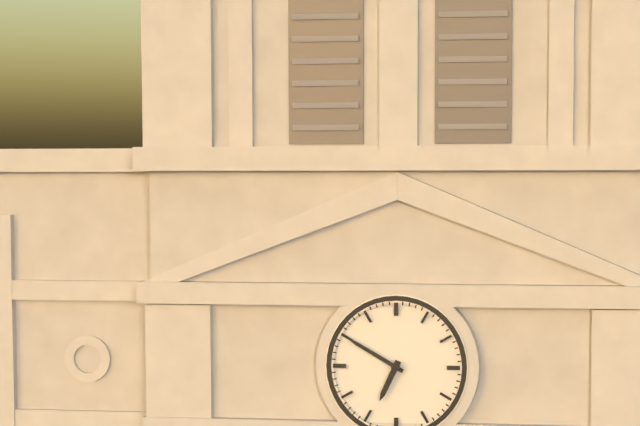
6:50
